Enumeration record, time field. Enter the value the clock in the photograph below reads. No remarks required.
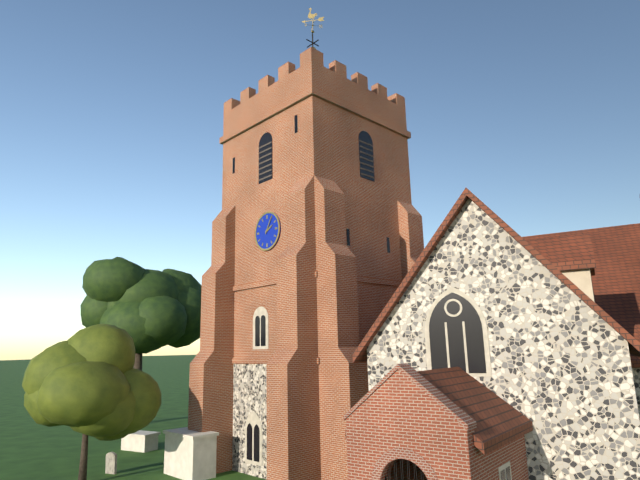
2:05
